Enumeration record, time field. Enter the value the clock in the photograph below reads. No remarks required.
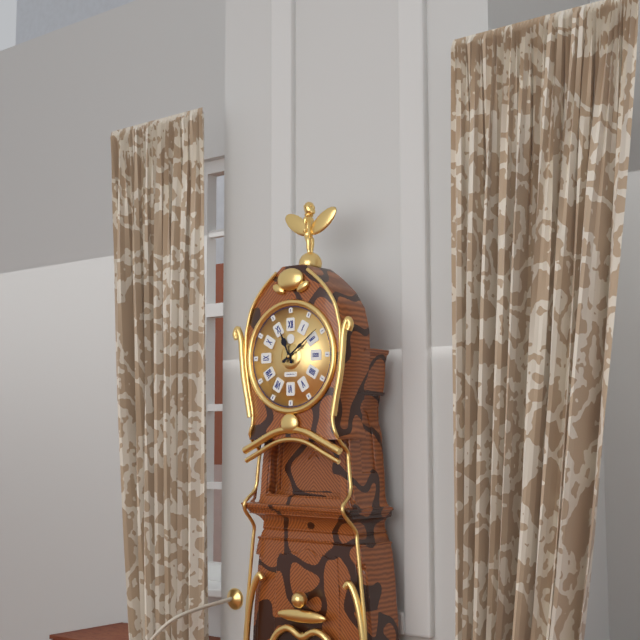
11:09
